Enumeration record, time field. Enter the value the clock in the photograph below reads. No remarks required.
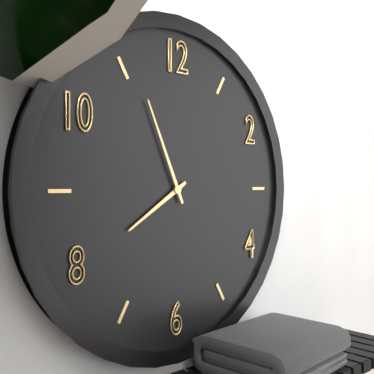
7:56
